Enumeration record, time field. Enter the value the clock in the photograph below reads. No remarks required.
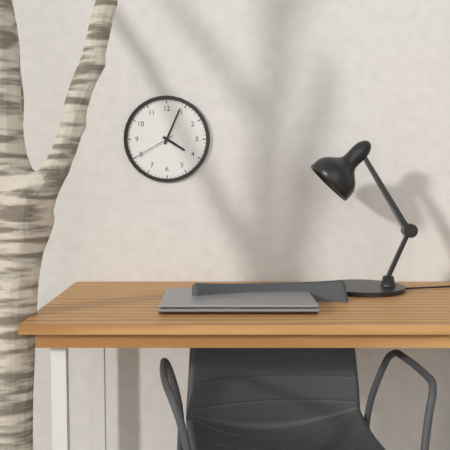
4:04
